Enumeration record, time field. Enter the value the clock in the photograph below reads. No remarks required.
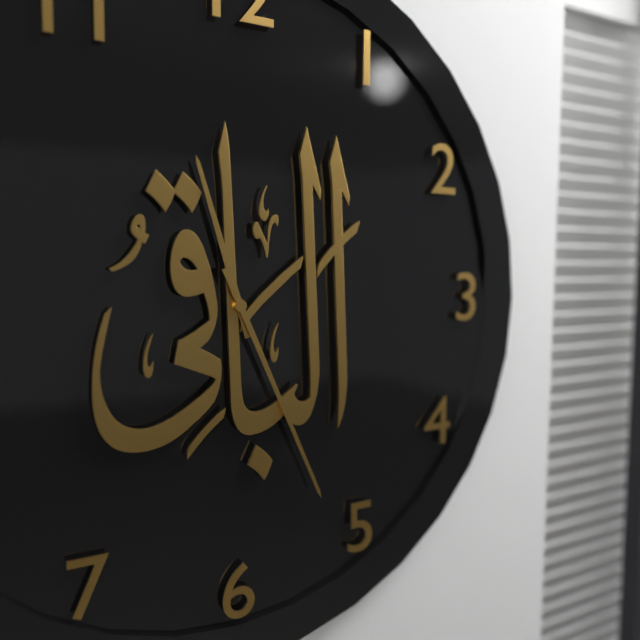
11:26
